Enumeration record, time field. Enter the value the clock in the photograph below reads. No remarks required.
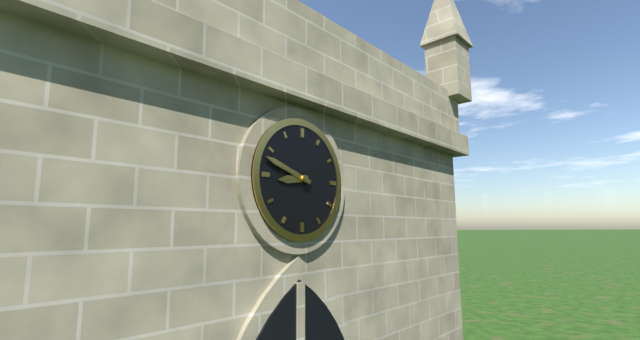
8:48
